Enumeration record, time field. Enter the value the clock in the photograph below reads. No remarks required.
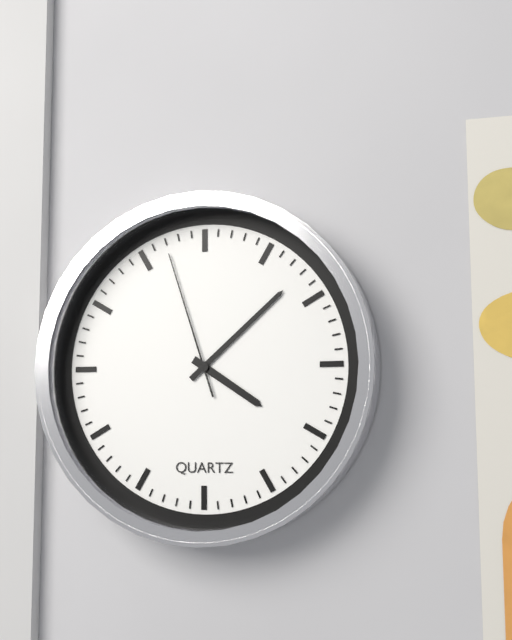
4:08:57
